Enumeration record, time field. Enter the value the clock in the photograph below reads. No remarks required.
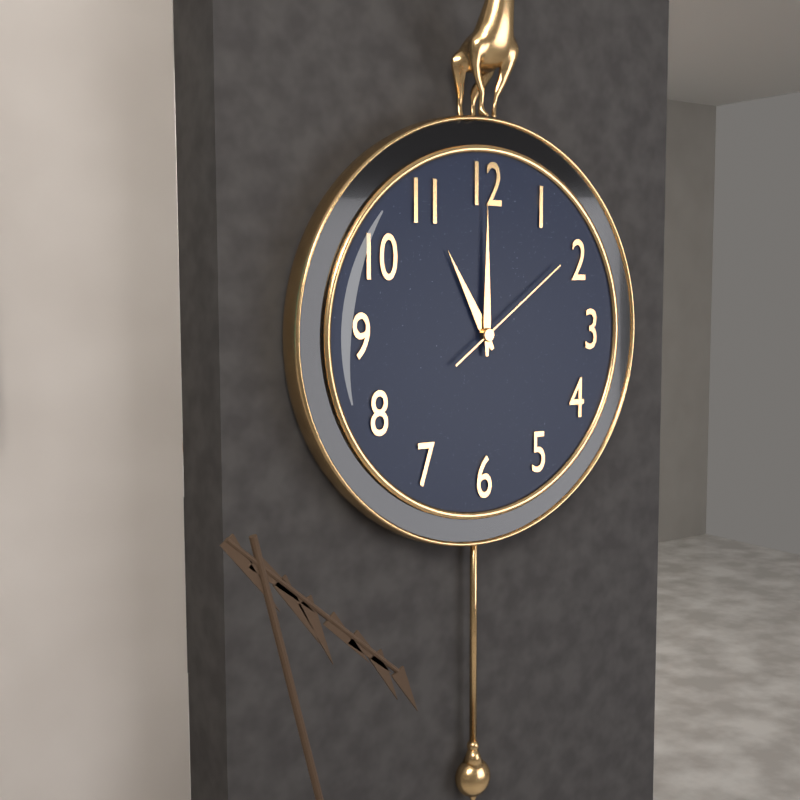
11:00:09
